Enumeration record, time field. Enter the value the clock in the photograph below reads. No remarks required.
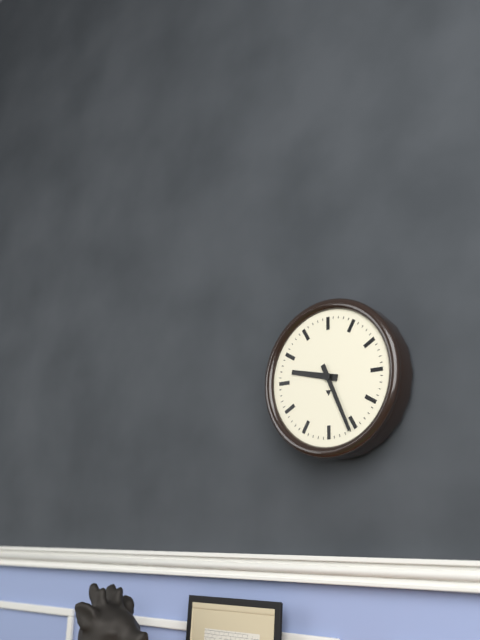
9:26
